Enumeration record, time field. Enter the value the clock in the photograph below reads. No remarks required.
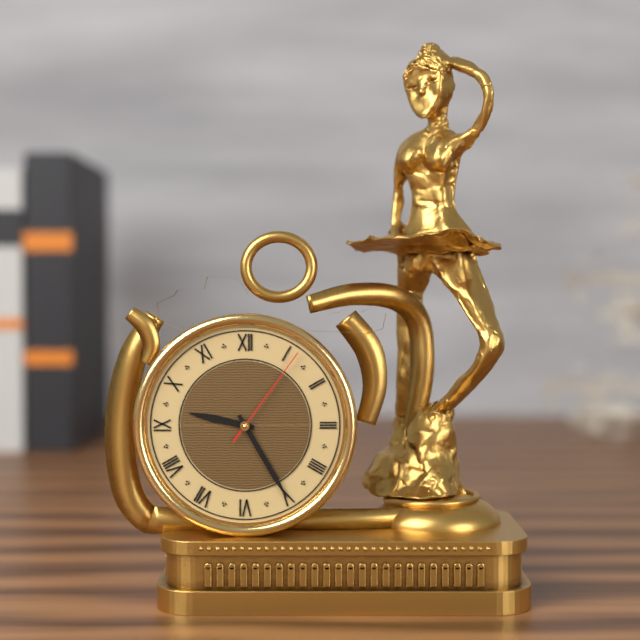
9:25:06
